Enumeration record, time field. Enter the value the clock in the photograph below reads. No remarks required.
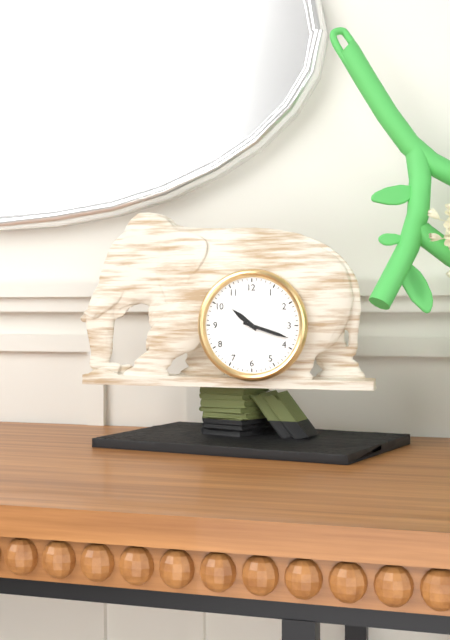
10:18
